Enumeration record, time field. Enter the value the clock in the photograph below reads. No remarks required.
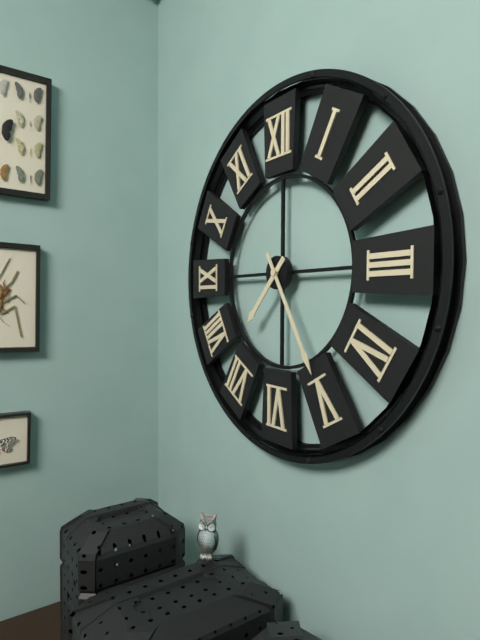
7:25
